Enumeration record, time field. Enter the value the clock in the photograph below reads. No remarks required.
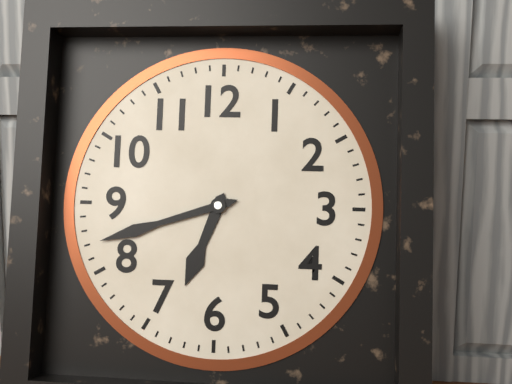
6:42
